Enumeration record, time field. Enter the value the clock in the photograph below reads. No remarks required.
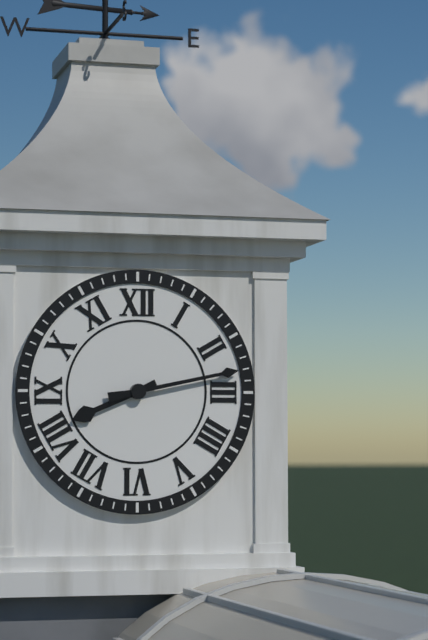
8:13
